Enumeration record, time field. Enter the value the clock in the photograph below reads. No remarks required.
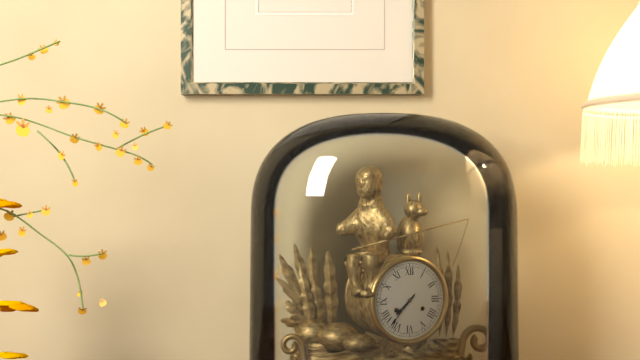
7:37
